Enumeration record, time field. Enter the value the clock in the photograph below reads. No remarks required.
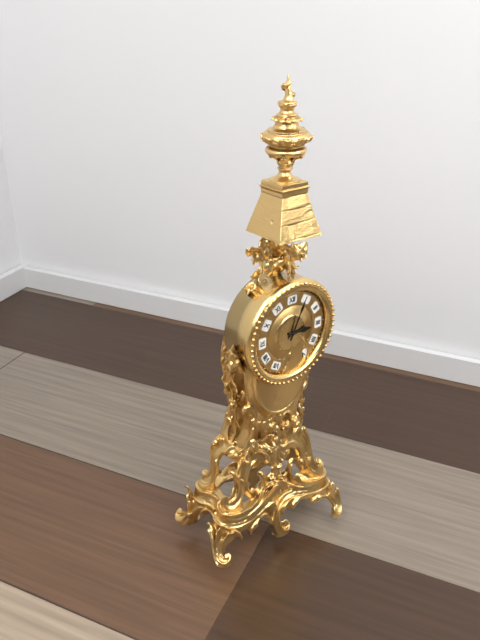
3:04
